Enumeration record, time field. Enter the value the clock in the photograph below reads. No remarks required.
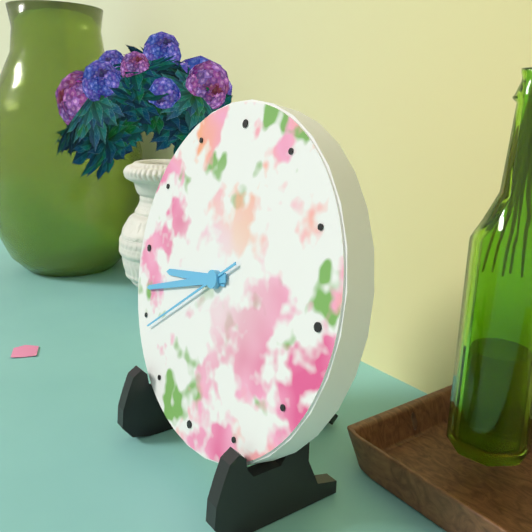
8:42:39
